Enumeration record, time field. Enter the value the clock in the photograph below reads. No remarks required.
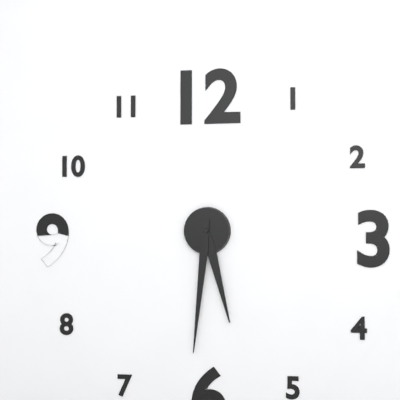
5:31
